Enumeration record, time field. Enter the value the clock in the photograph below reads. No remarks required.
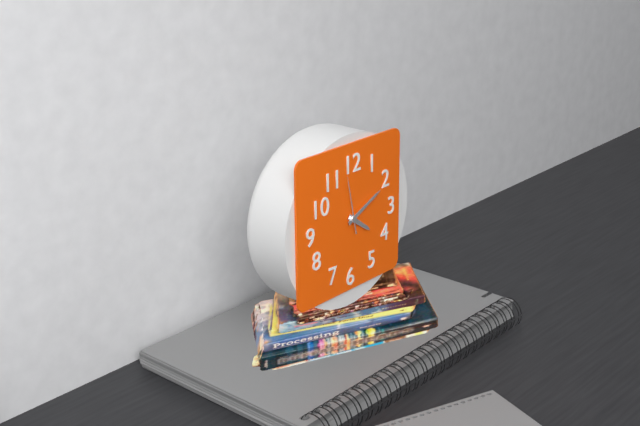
4:11:58
